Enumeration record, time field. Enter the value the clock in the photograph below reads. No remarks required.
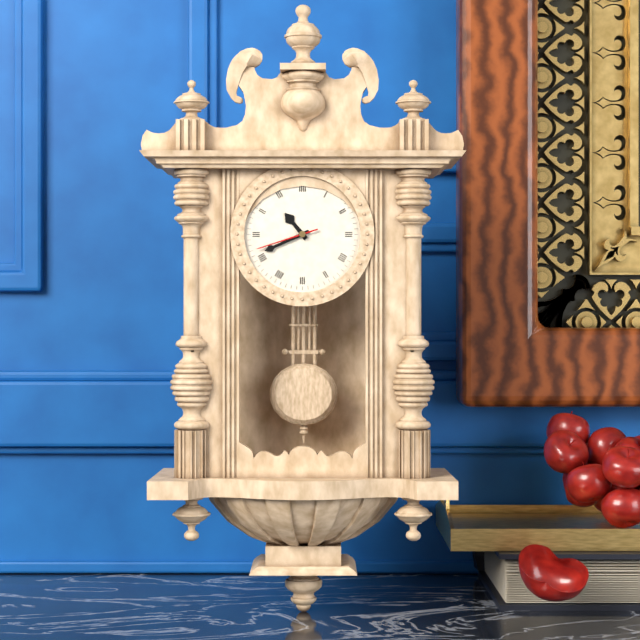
10:41:42
